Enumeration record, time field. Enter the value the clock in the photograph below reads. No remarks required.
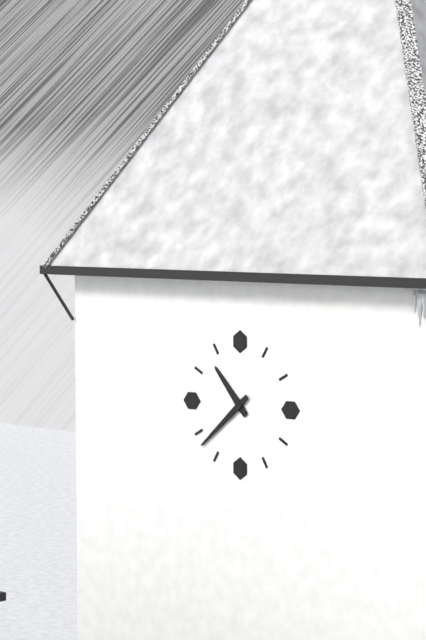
10:38
